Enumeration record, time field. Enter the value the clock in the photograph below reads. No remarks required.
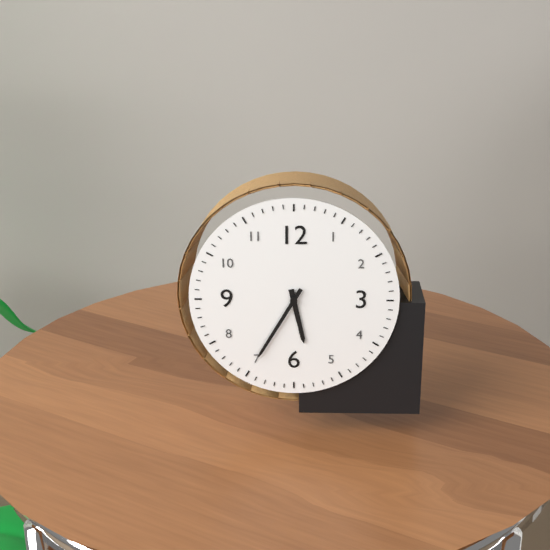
5:35
